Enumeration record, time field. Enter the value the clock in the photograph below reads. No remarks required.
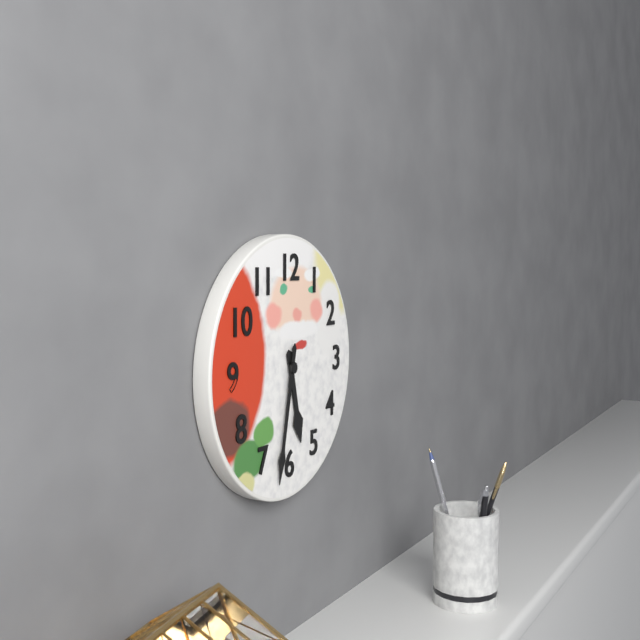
5:32
